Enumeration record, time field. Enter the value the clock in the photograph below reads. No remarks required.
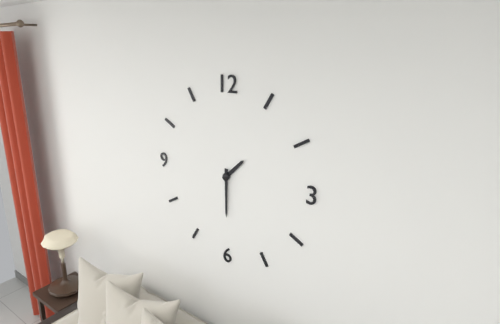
1:30
